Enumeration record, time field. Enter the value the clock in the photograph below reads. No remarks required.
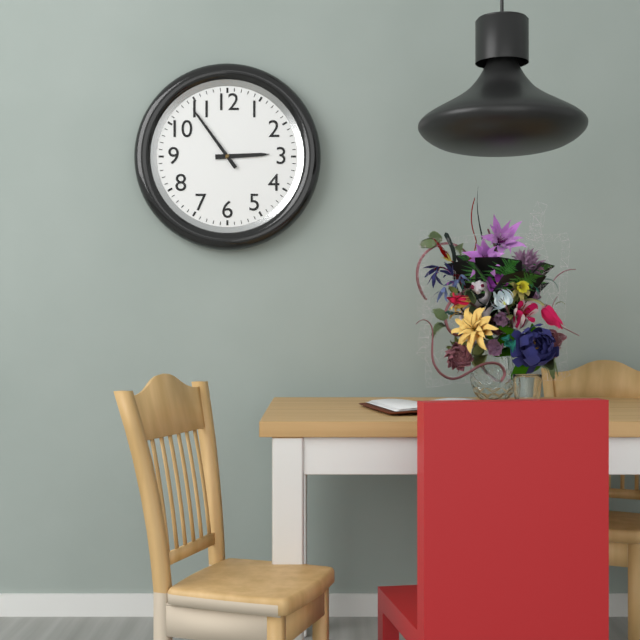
2:54
